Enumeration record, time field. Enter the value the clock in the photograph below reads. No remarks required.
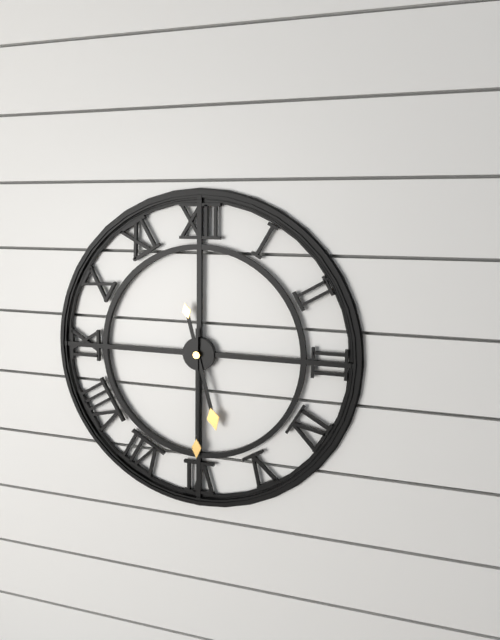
5:30
